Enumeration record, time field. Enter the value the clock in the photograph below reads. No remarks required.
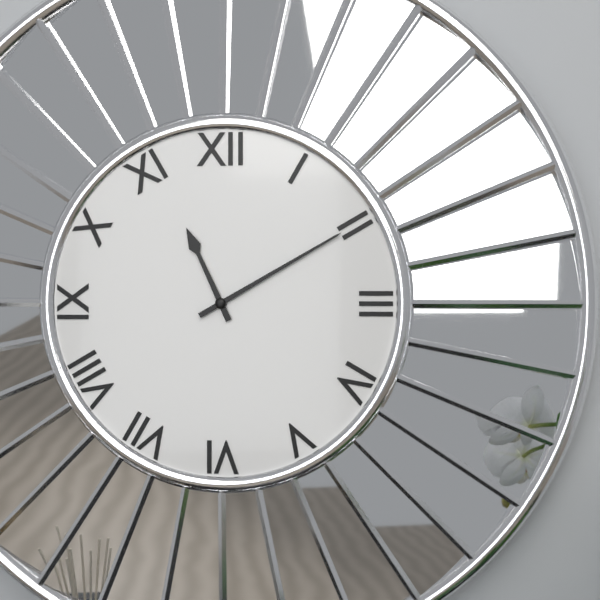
11:10
